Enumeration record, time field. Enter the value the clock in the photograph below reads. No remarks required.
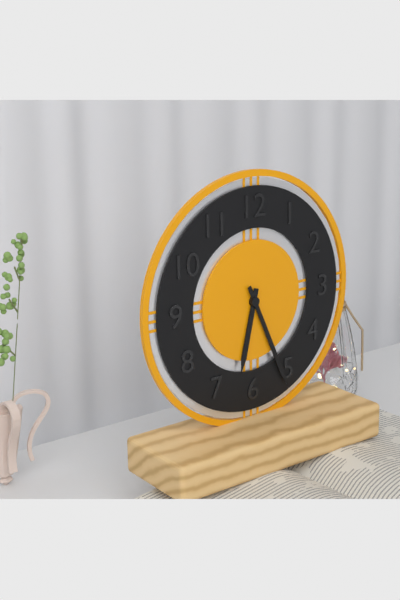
6:26
